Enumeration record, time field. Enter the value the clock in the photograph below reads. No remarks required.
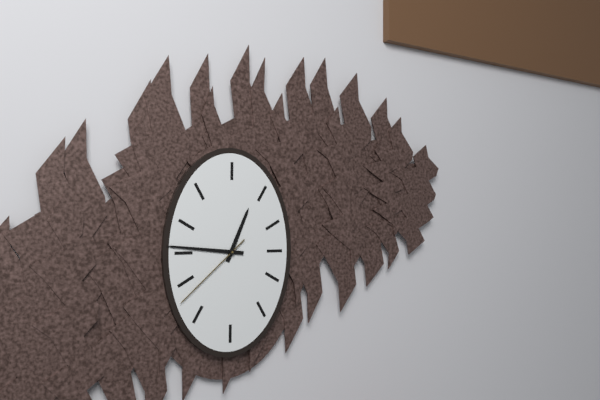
12:46:38
